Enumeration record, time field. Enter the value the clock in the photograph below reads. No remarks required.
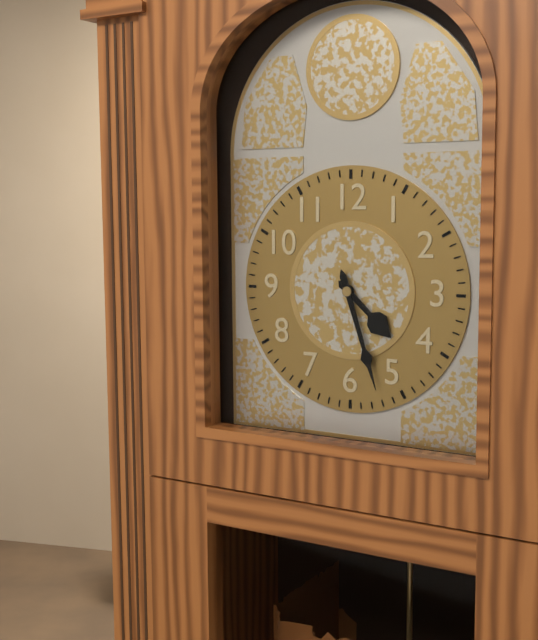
4:27
